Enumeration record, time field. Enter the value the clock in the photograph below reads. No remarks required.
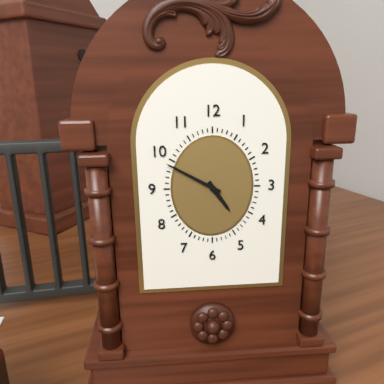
4:50
